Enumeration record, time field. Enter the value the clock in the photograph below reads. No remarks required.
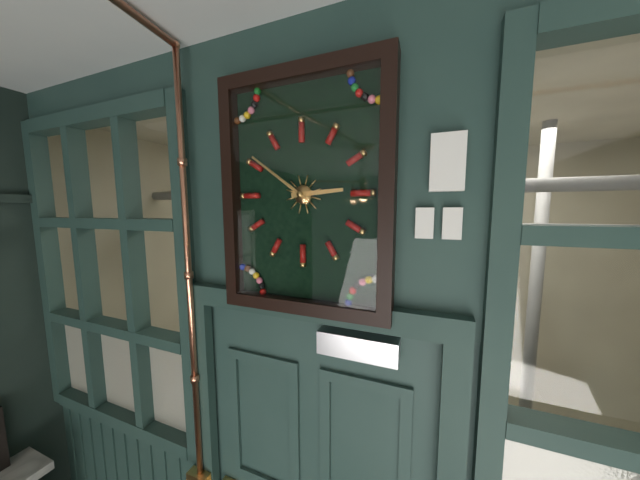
2:51
